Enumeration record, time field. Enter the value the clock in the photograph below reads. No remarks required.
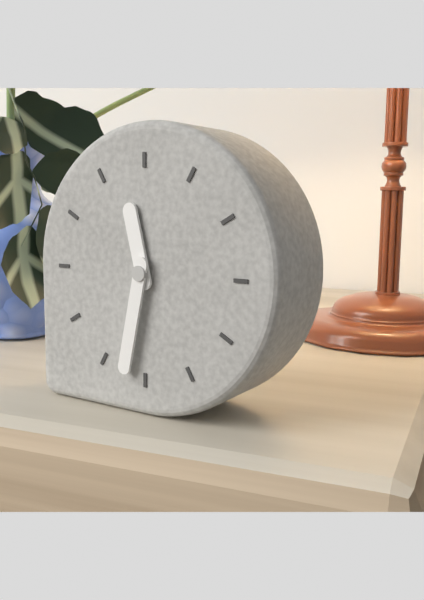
11:32
